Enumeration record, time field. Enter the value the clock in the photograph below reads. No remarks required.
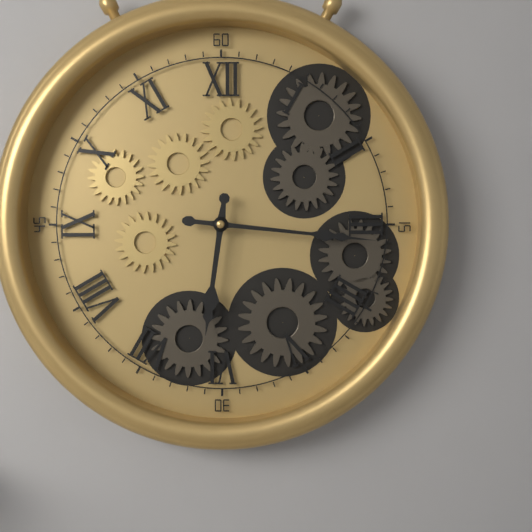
6:16
